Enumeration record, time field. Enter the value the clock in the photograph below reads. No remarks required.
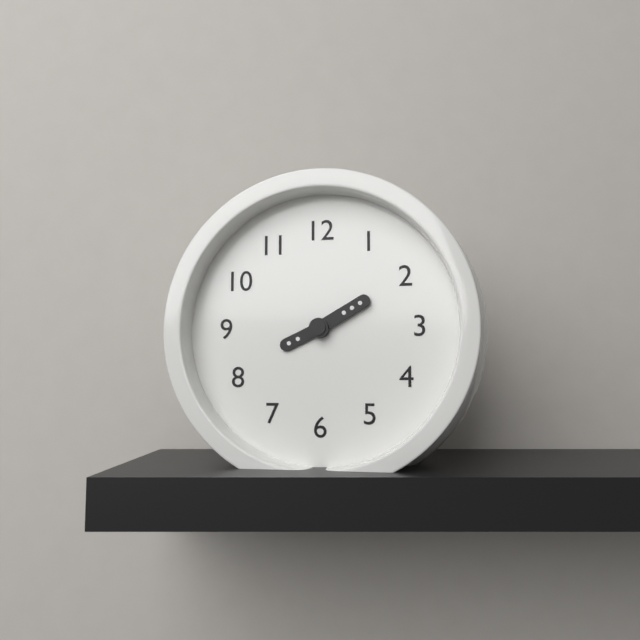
8:10
